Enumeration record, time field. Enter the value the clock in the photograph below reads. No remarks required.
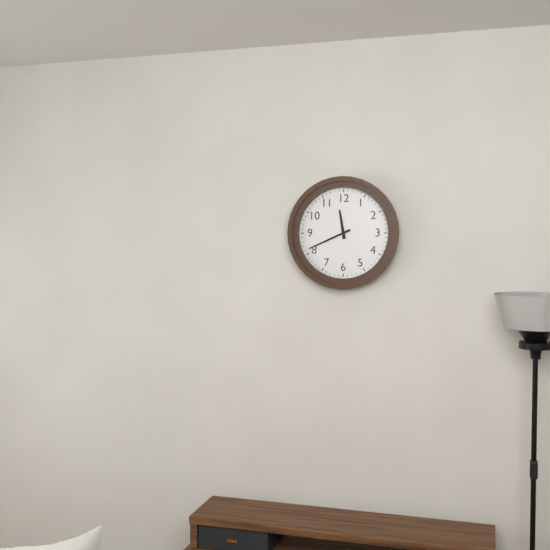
11:41
